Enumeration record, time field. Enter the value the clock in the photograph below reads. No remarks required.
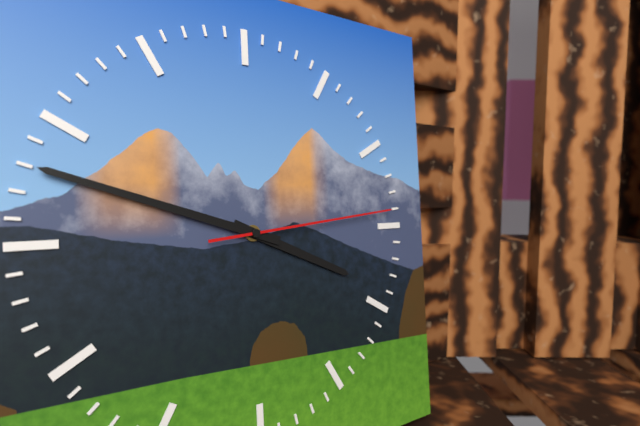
3:48:14
